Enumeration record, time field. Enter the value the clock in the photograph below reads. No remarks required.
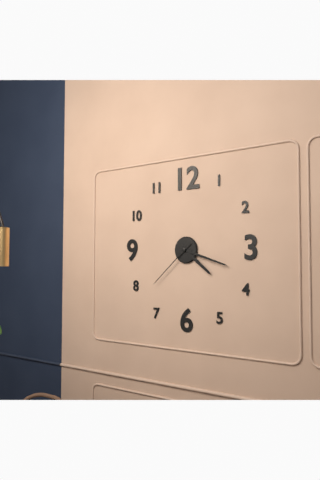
4:18:38
